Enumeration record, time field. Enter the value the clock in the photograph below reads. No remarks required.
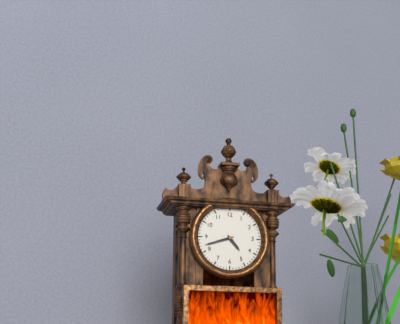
4:42
